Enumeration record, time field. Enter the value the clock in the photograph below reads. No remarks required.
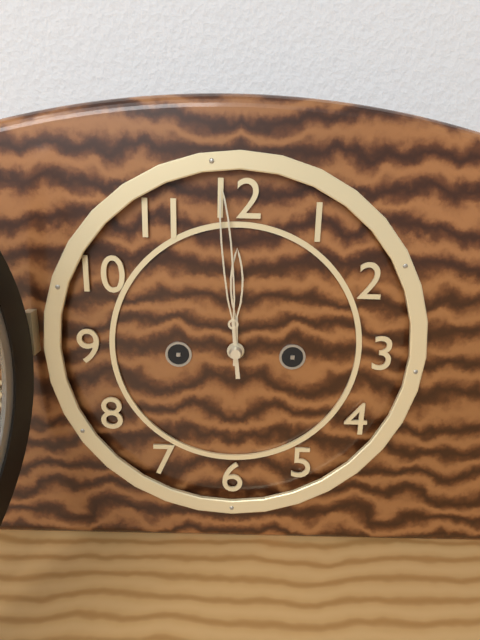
11:59
